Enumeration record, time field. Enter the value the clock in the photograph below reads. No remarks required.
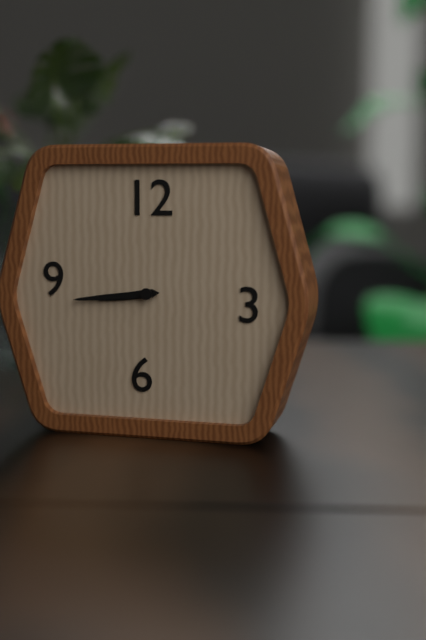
8:44
